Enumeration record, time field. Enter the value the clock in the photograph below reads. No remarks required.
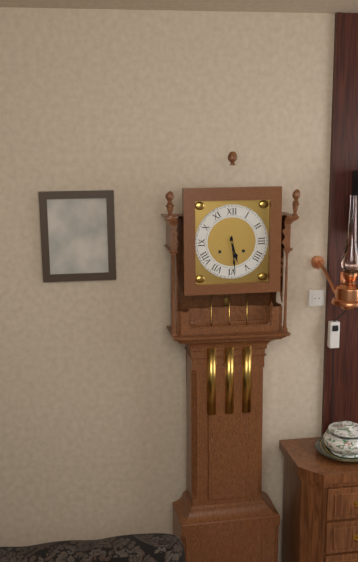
5:29
